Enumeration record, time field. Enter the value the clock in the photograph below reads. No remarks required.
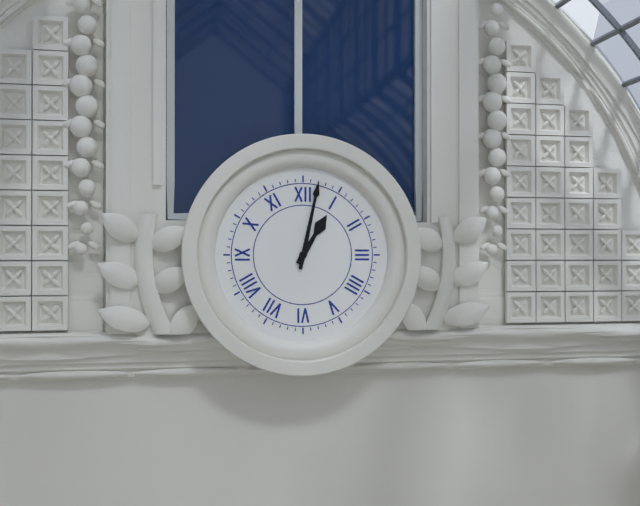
1:02
